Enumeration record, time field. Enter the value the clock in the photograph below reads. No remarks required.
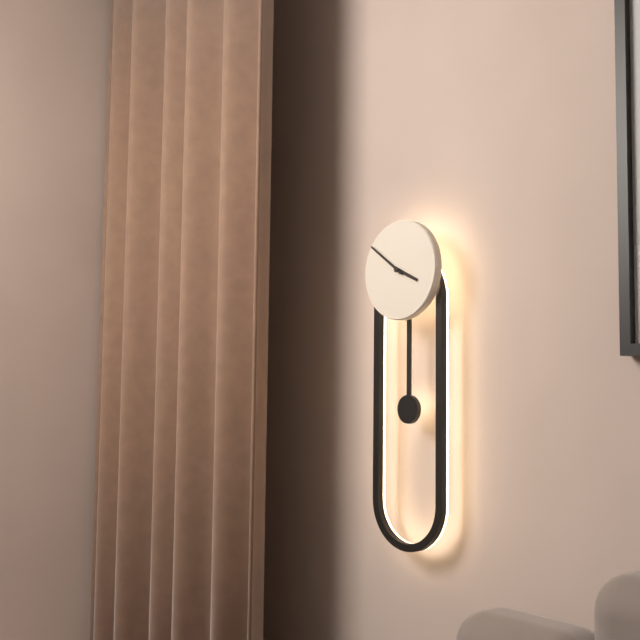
3:51
